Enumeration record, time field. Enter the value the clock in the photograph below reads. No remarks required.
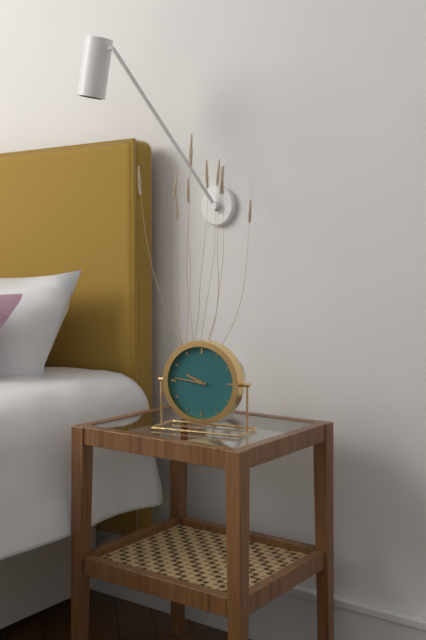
9:46
